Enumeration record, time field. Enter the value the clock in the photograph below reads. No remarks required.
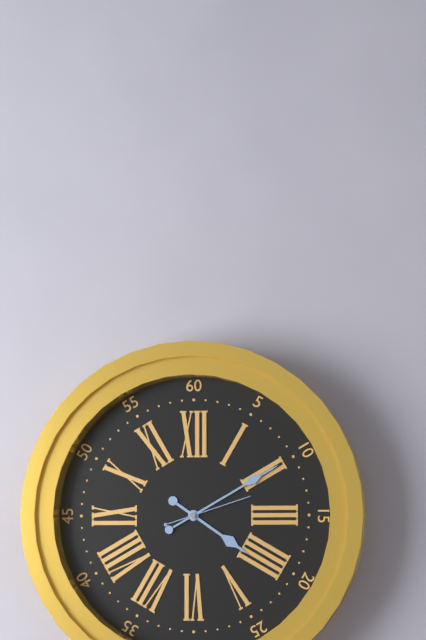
4:10:12
